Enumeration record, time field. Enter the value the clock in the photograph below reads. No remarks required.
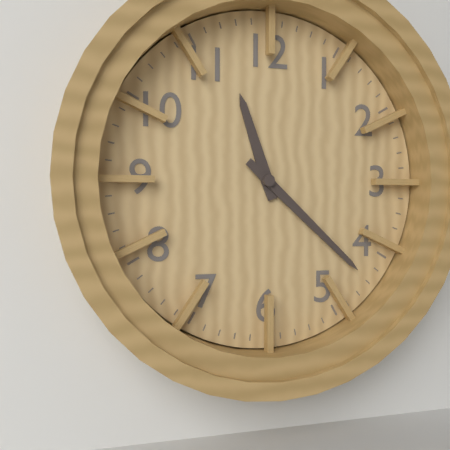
11:22
